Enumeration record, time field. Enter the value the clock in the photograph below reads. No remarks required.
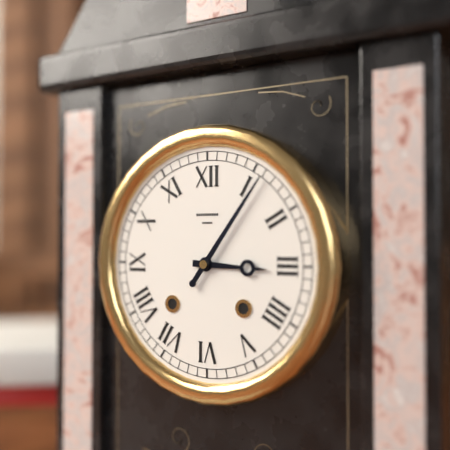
3:06
